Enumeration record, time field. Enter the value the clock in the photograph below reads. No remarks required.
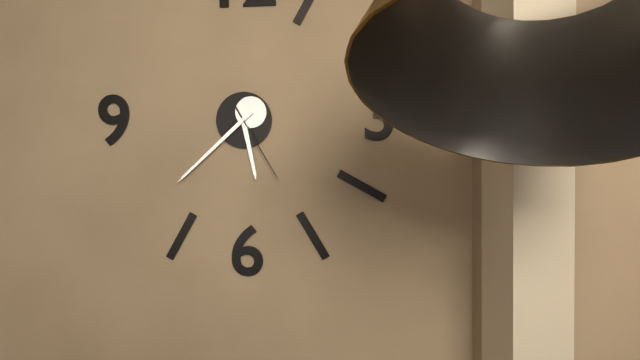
5:38:25
